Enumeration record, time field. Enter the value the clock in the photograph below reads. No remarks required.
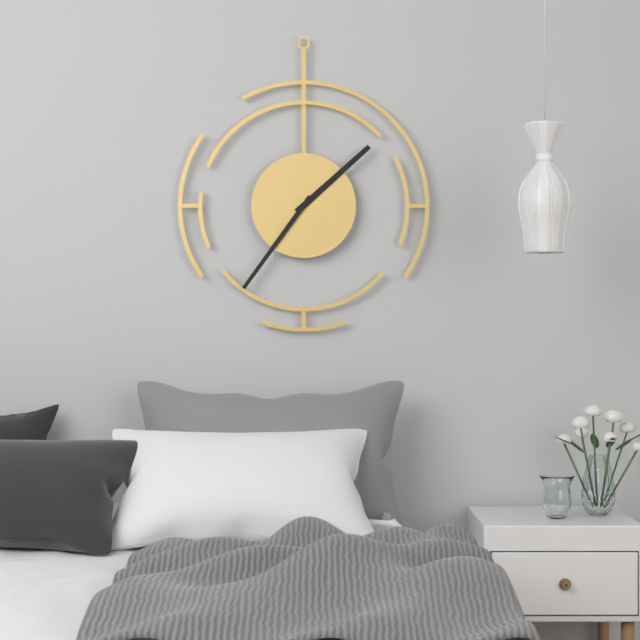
1:36
